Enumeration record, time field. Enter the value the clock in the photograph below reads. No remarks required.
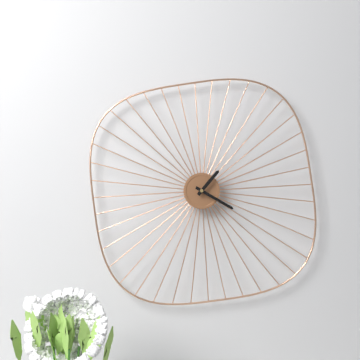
1:20
